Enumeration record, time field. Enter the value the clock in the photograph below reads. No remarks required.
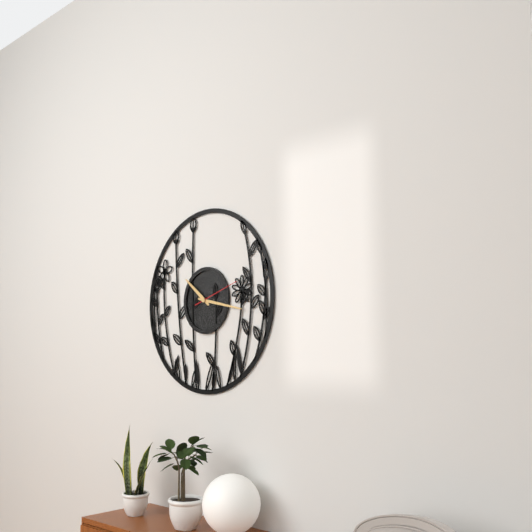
10:17
